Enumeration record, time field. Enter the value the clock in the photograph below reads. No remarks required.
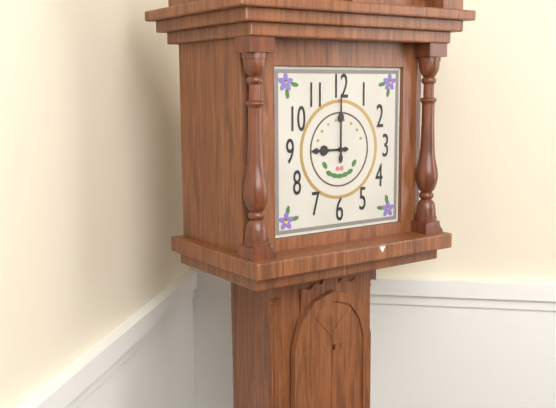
9:00
